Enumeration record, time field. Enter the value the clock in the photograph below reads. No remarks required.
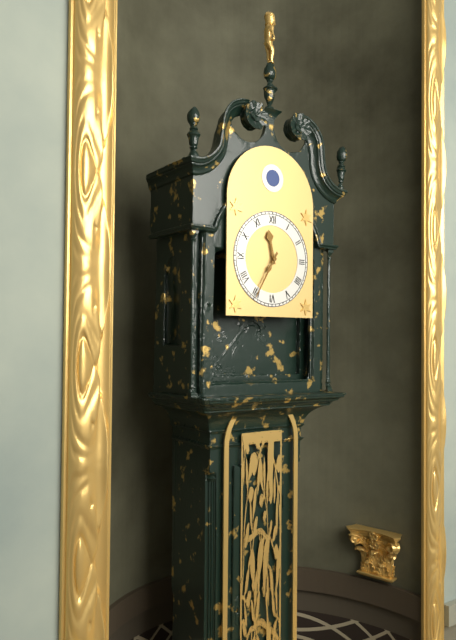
11:35
